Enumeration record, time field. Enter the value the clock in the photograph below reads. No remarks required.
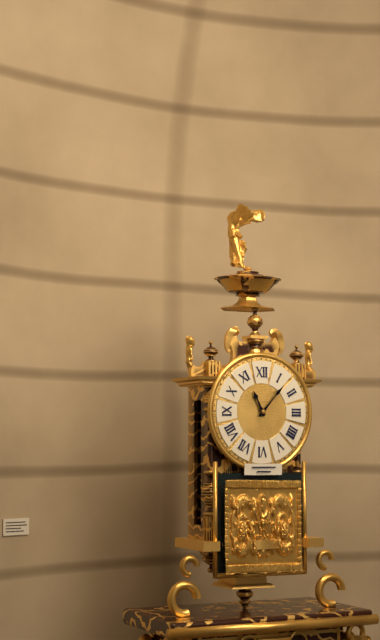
11:07
